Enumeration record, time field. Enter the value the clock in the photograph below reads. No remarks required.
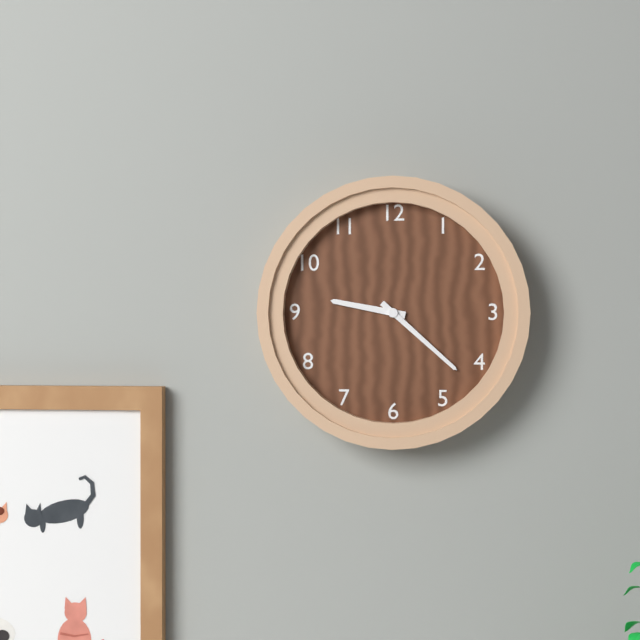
9:22
